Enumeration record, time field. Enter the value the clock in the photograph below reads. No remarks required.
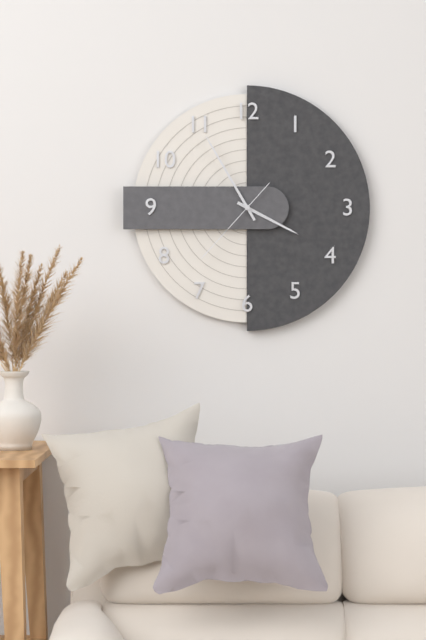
3:55:37
